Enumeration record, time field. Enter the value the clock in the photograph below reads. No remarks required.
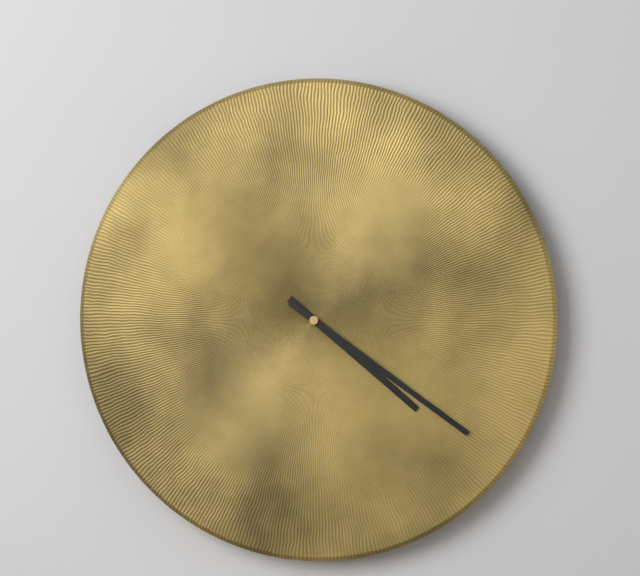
4:21
